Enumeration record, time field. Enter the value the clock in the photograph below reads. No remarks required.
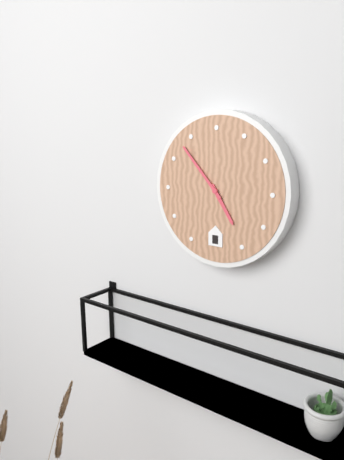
4:53
